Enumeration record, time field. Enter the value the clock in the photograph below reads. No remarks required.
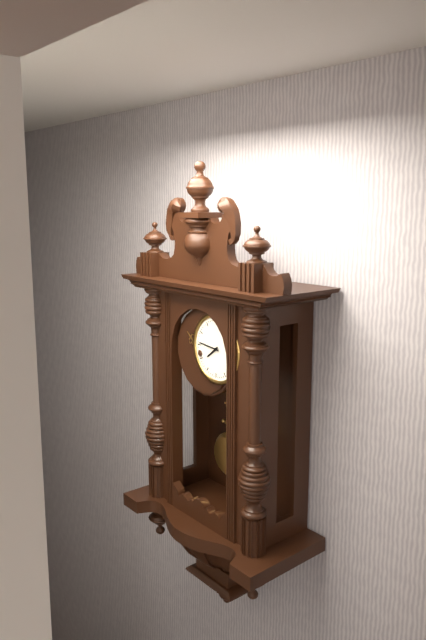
7:46
